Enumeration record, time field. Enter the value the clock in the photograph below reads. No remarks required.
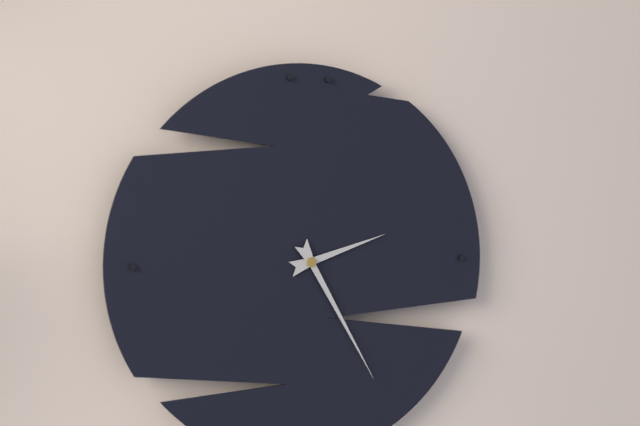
2:25
